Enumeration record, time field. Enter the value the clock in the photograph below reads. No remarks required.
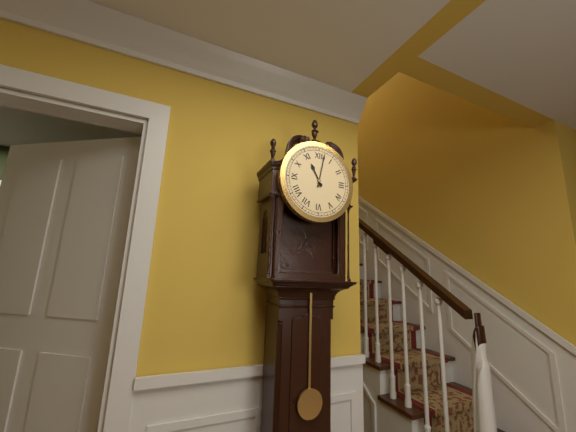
11:02
